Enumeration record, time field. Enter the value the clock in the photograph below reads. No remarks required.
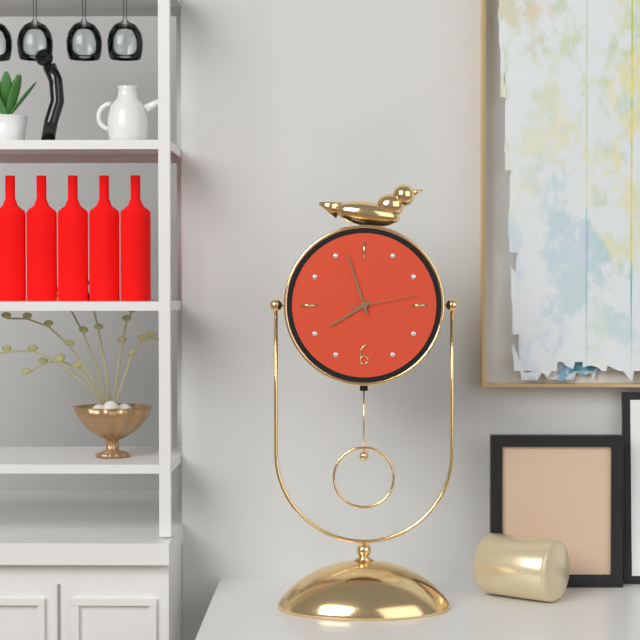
7:57:13
